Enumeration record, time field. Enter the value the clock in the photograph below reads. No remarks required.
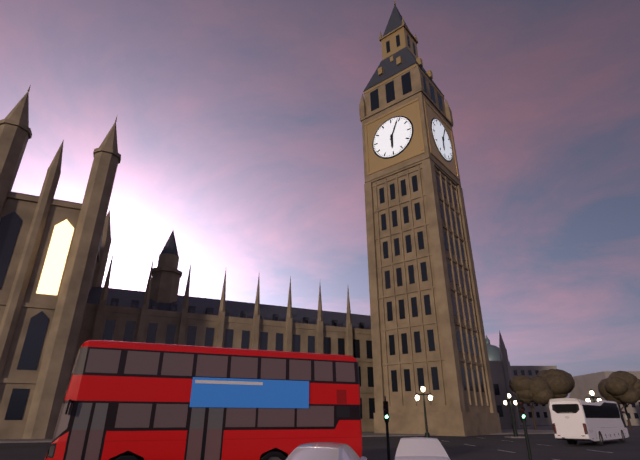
6:04
